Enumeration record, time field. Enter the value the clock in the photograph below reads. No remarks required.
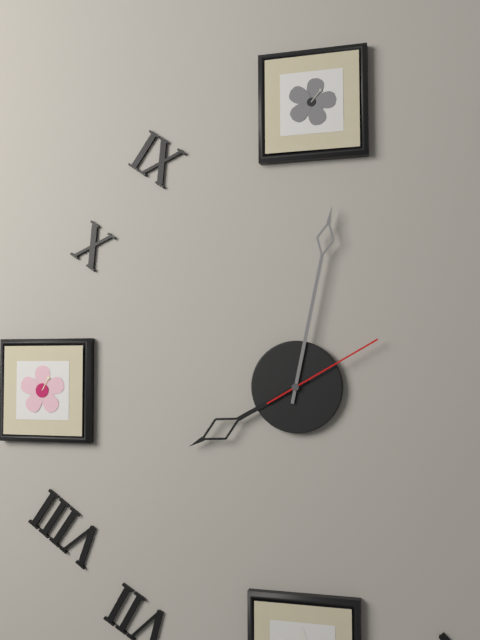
8:02:10
